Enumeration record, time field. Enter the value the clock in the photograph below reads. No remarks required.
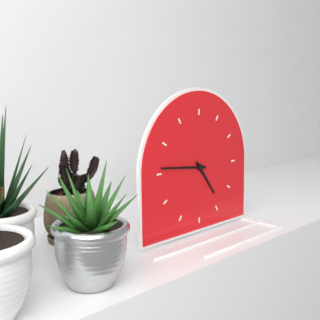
4:46
